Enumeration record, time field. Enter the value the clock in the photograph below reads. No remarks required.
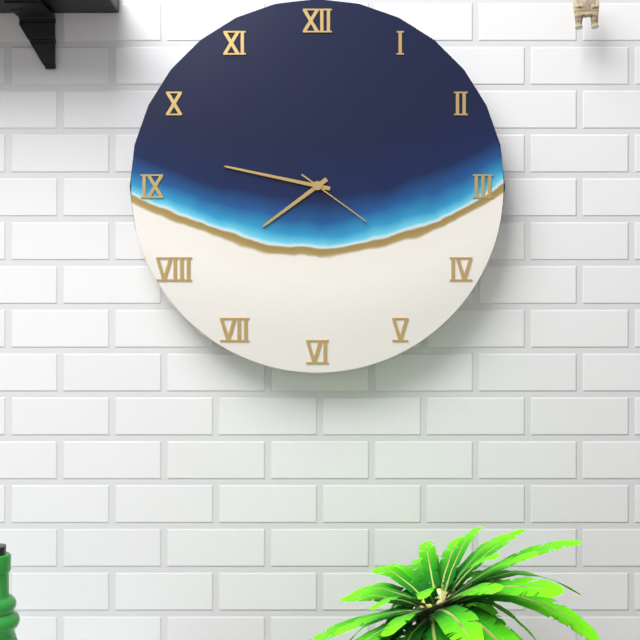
7:47:21
